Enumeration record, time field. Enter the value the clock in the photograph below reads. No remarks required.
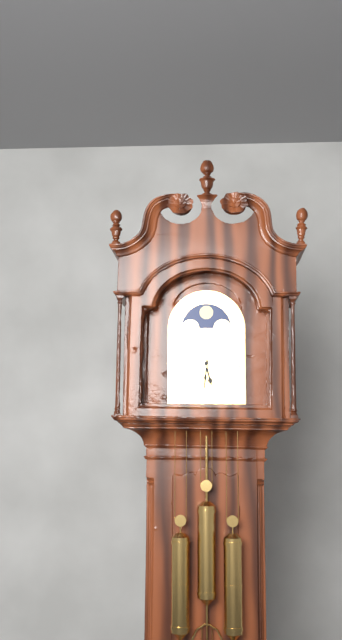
5:31
